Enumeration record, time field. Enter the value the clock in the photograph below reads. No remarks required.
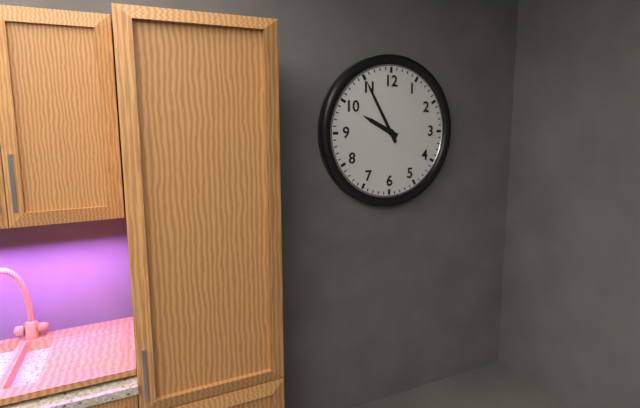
9:55
